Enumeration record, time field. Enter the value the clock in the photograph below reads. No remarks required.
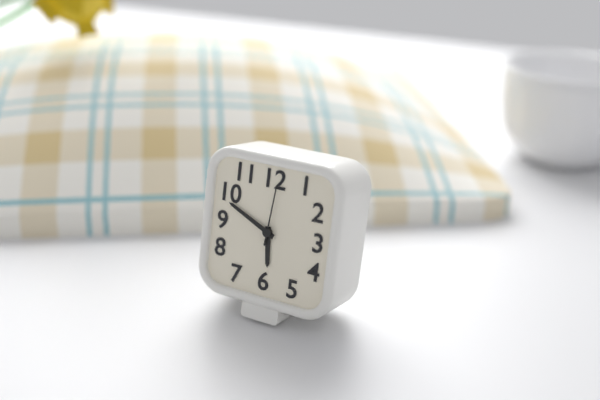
5:49:01
